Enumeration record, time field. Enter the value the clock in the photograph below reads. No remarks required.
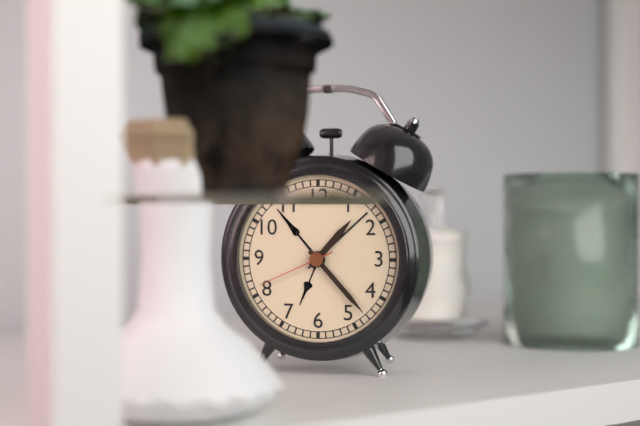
1:23:41
